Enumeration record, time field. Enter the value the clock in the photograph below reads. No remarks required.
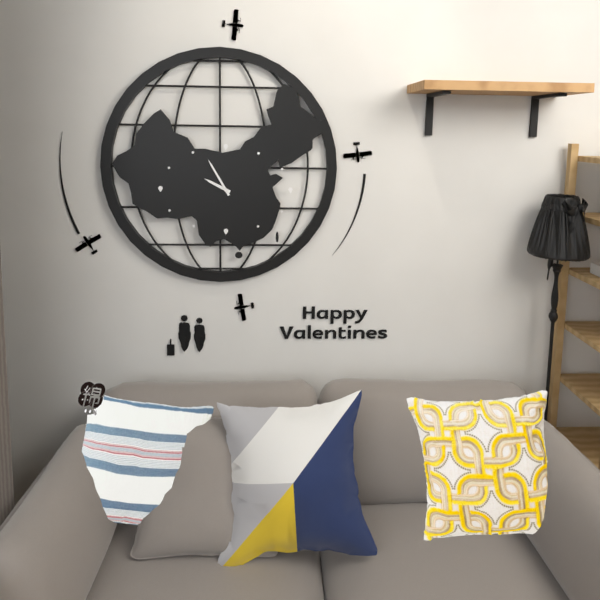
9:55
